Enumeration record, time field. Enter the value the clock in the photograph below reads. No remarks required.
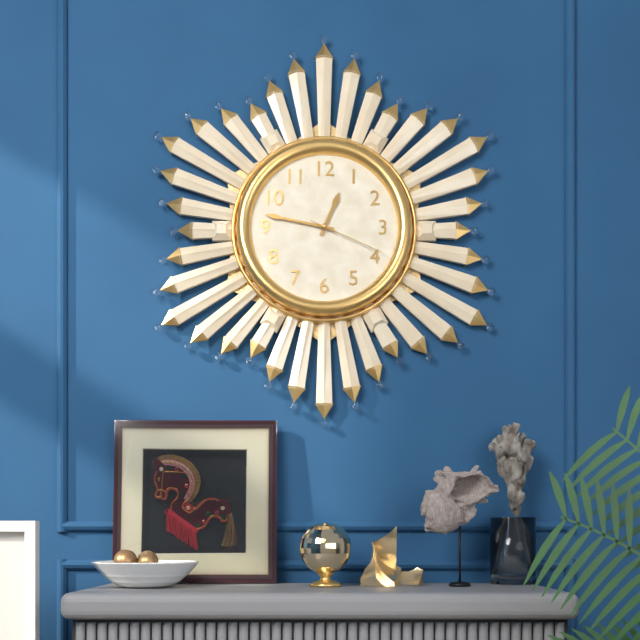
12:47:19
